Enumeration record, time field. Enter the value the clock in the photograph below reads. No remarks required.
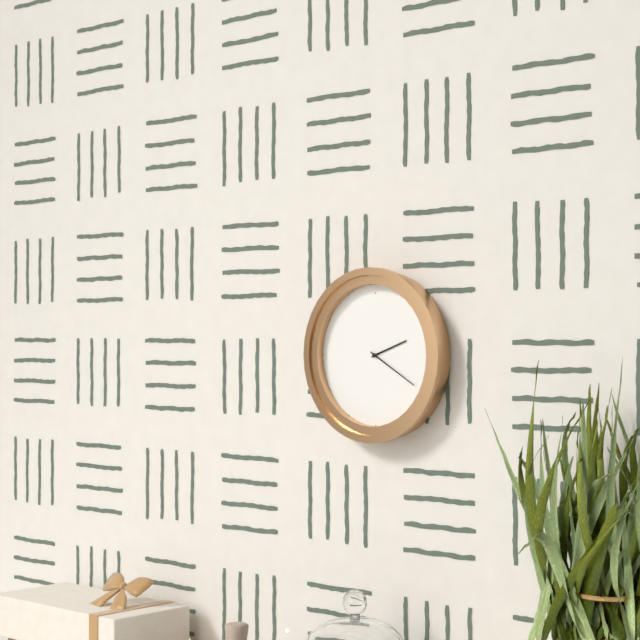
2:20
